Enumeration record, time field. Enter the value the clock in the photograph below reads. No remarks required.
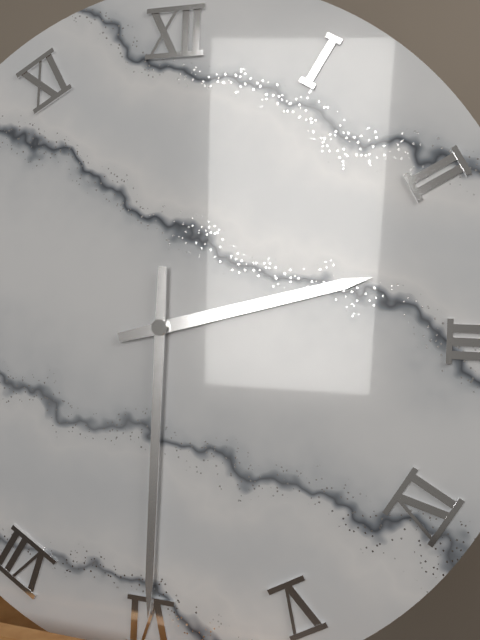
2:30
